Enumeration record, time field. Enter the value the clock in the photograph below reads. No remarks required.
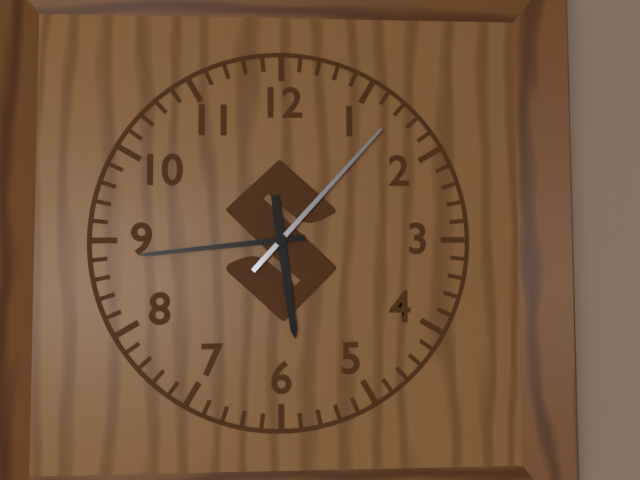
5:44:07
